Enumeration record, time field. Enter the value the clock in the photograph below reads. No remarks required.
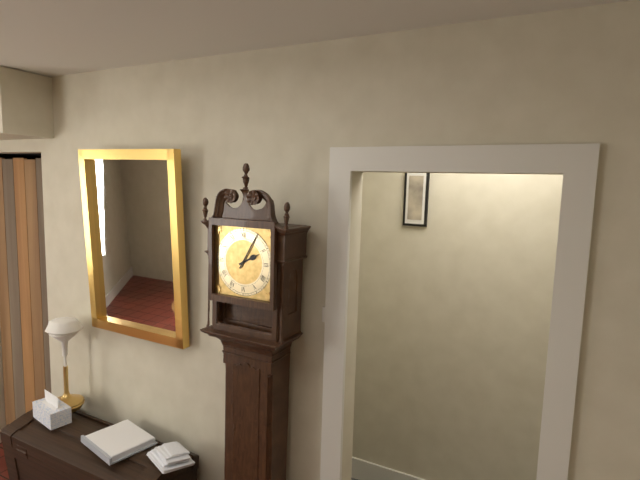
2:05
